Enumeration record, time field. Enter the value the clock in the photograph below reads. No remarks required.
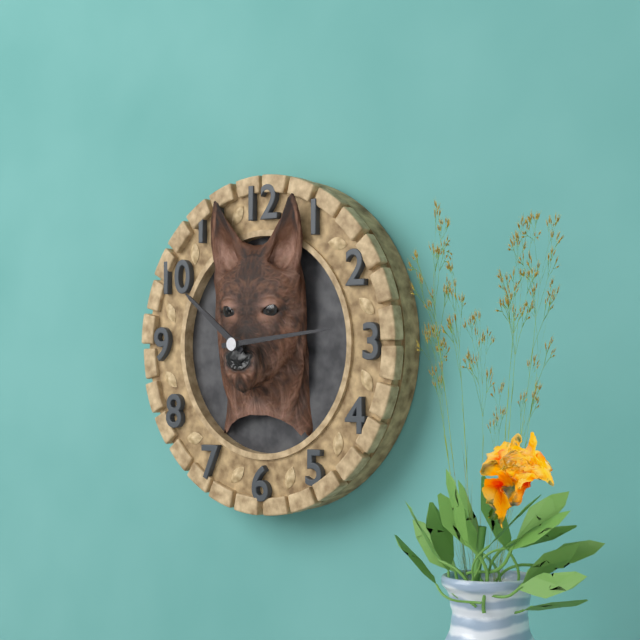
10:14
